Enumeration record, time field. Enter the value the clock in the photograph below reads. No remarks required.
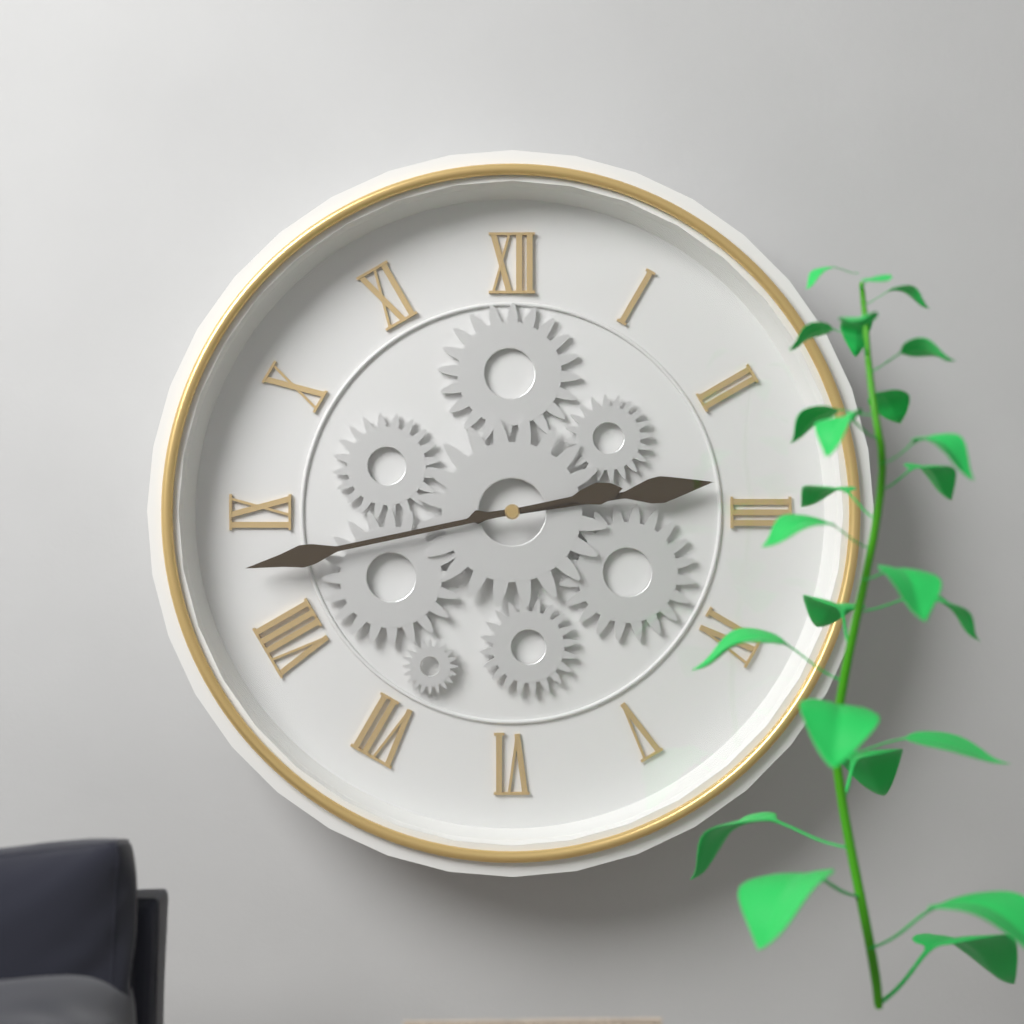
2:43
